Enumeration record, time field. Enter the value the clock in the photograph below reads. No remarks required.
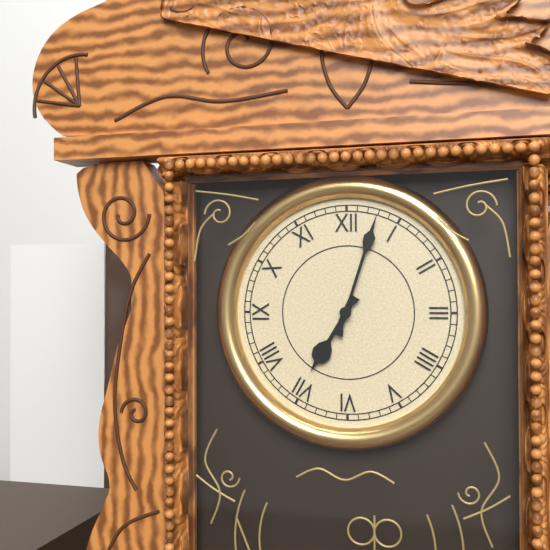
7:03
